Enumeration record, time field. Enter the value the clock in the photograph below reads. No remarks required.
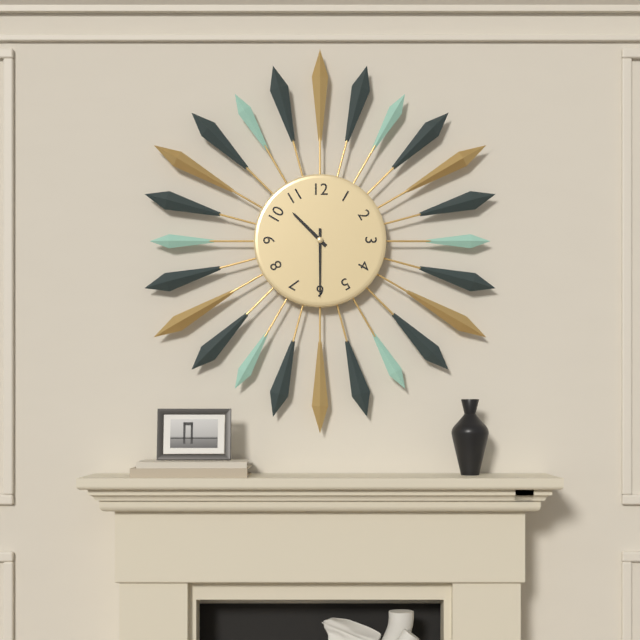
10:30
